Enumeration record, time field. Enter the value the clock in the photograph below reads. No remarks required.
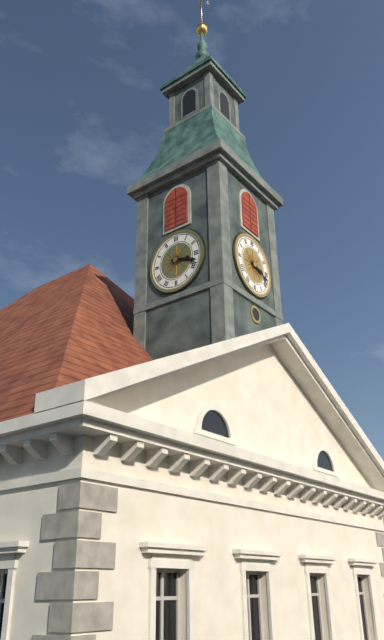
3:18
